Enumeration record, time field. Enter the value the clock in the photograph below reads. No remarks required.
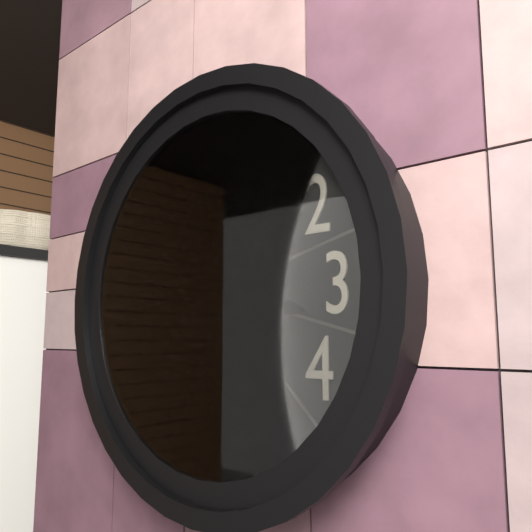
2:17
